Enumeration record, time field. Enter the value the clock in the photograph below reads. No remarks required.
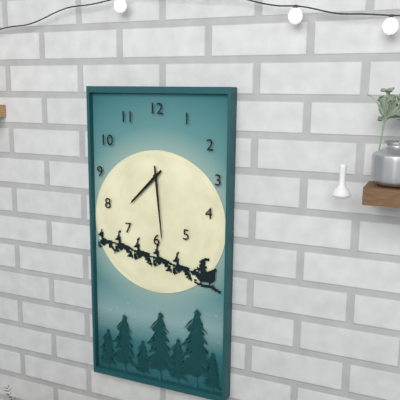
7:29
